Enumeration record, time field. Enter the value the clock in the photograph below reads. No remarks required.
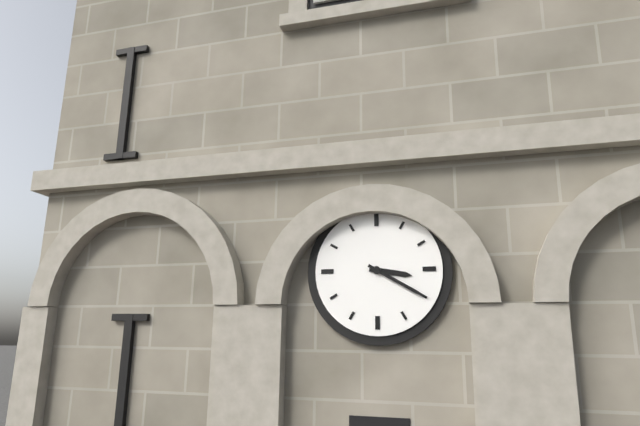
3:20
